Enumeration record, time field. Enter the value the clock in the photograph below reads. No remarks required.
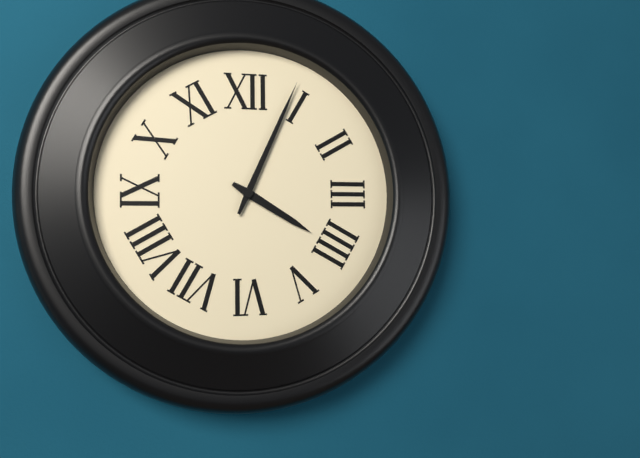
4:04
